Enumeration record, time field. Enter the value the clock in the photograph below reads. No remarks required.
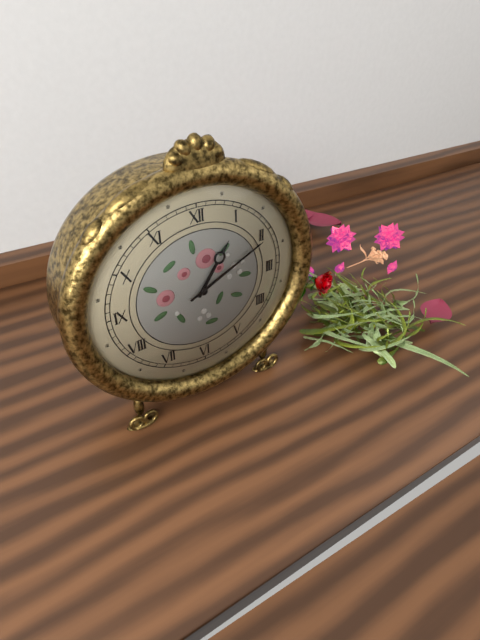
1:11
